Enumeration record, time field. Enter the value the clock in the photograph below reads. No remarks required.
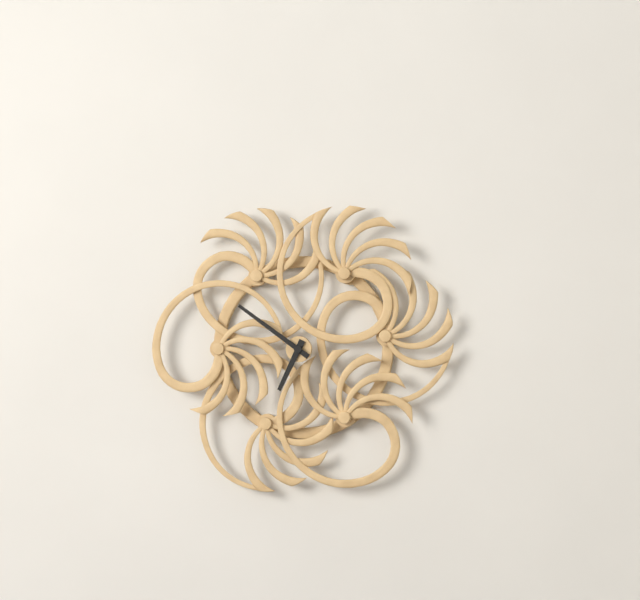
6:51
